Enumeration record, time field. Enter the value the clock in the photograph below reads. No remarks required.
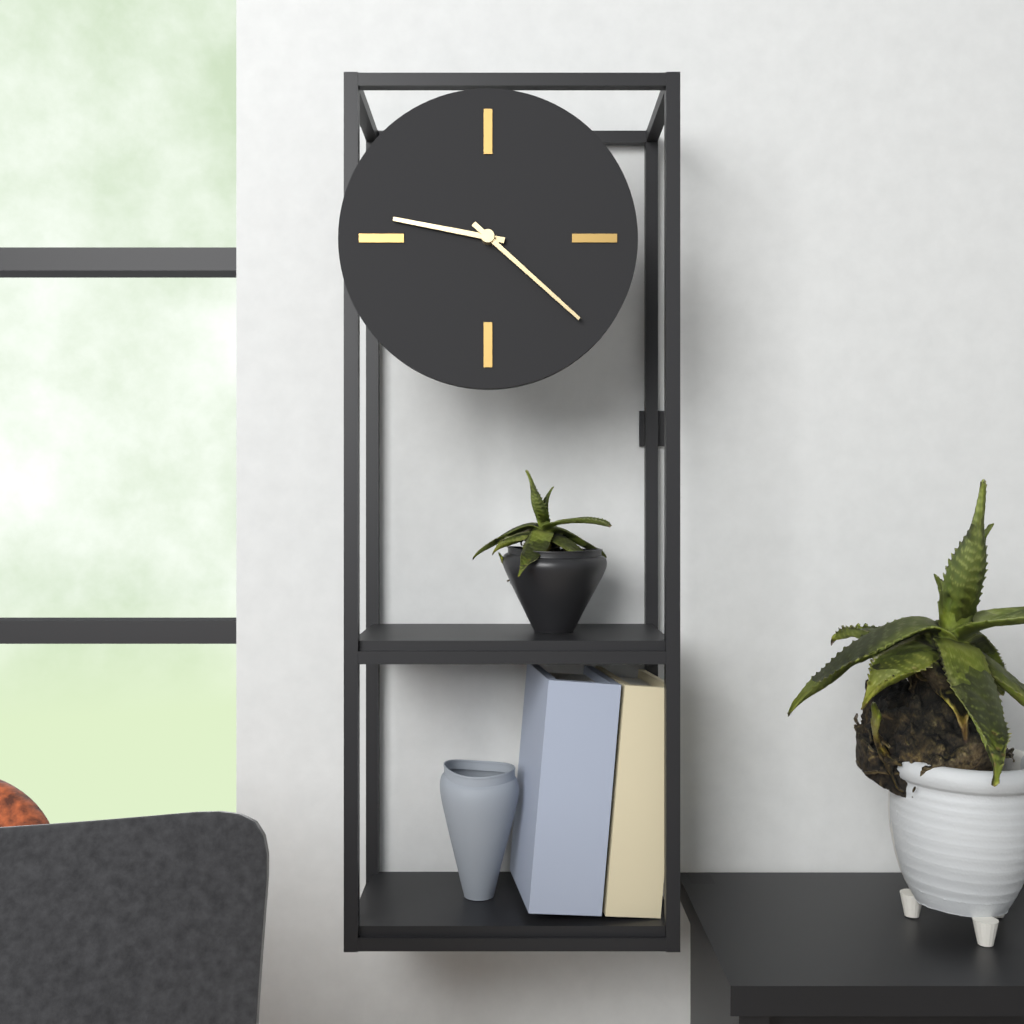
9:22
